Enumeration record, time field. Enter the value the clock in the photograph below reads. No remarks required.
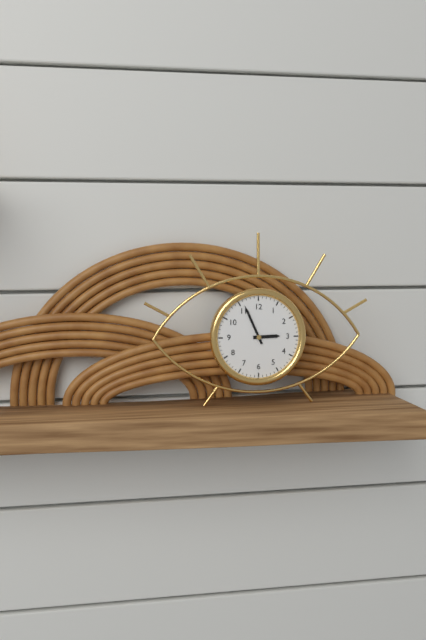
2:56
